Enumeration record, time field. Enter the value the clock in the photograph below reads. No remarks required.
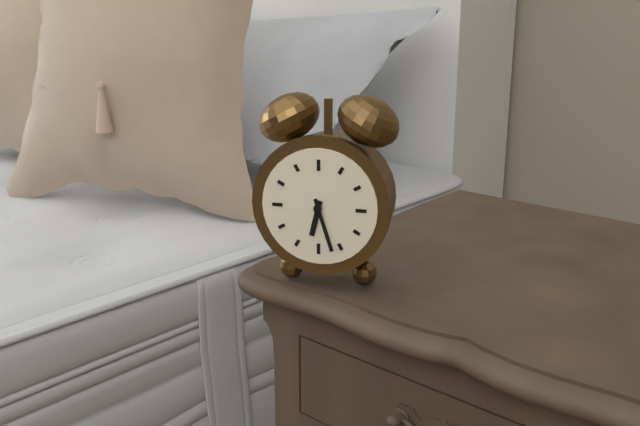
6:27
